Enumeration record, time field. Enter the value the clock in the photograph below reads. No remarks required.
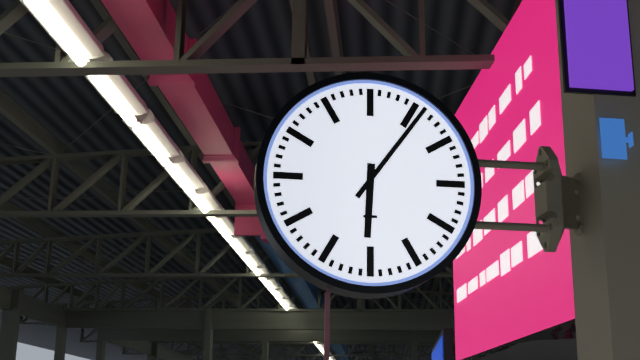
6:06
